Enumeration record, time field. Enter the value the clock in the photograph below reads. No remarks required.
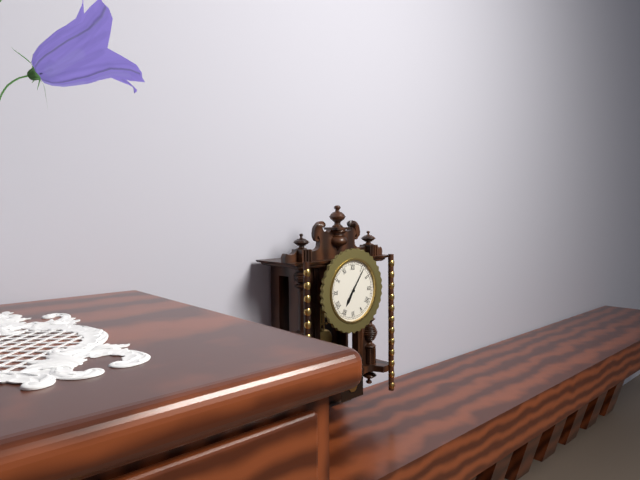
7:06
